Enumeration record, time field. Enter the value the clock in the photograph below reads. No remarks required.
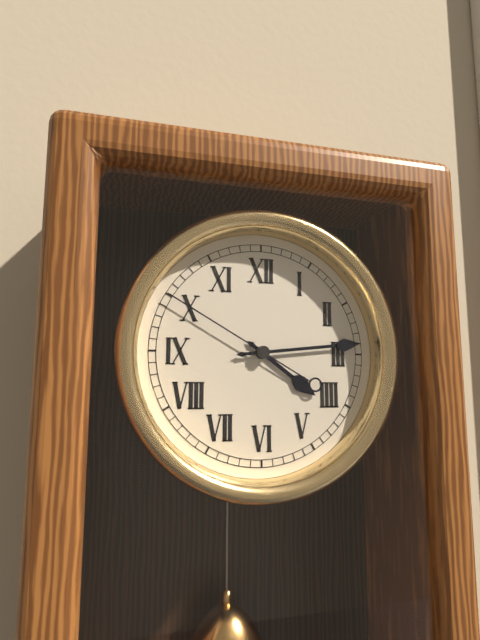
4:14:50
